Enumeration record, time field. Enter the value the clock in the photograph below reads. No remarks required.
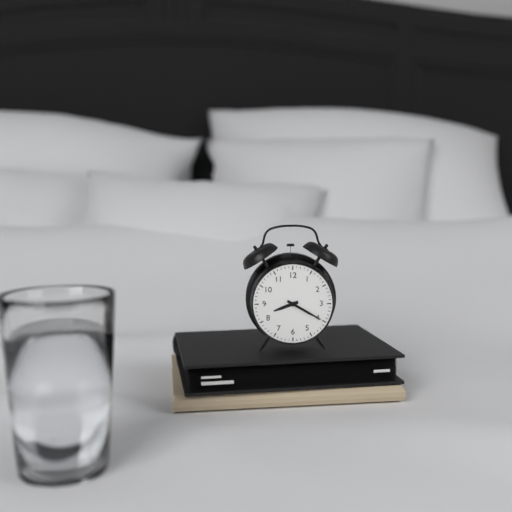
8:20
